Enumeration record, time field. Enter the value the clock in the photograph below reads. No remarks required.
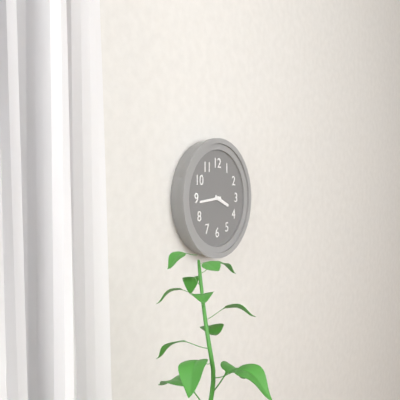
3:44
